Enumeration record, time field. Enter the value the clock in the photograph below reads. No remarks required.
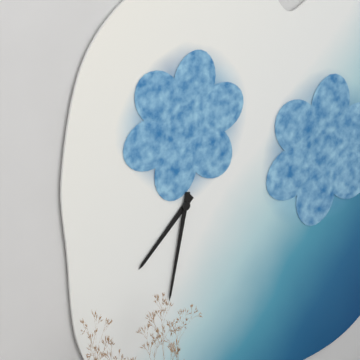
7:32
